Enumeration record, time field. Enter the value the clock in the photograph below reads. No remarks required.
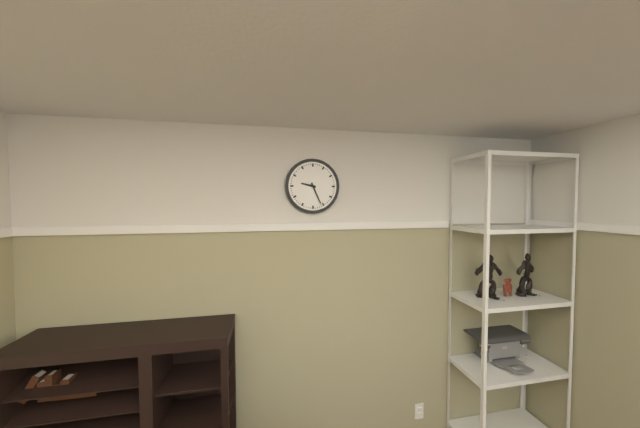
9:26
